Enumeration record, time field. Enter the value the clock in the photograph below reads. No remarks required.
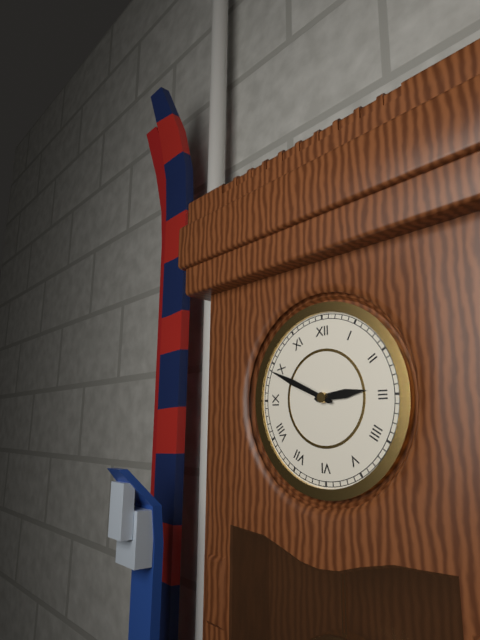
2:49
